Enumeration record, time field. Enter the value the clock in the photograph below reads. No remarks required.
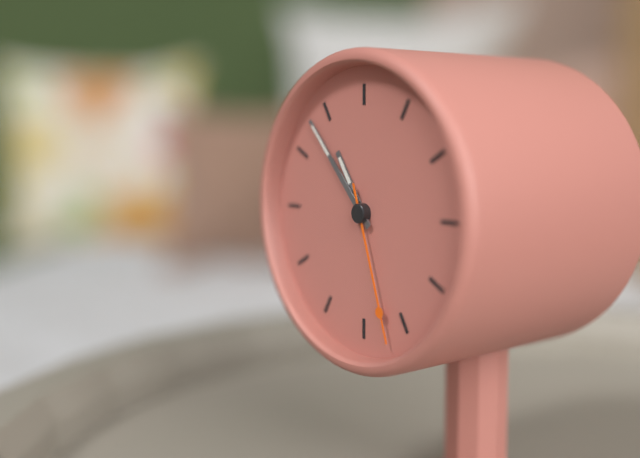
10:53:27
